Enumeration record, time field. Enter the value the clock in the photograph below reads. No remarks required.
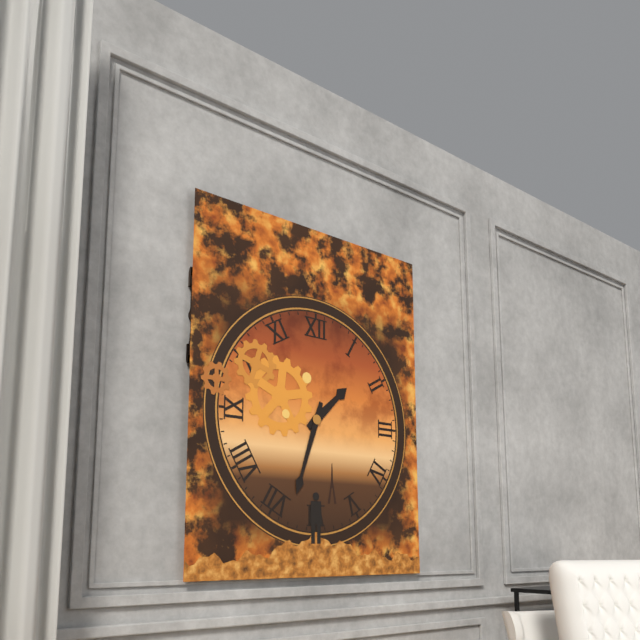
1:33
